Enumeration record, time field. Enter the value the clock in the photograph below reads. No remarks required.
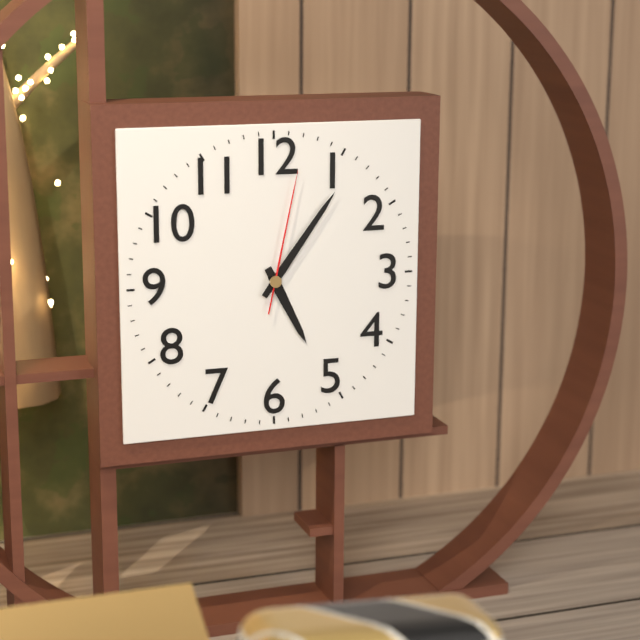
5:06:02
